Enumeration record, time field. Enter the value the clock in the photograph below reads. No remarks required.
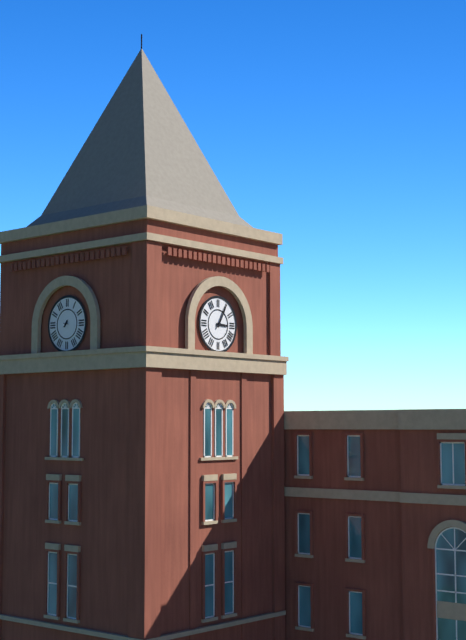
3:05
